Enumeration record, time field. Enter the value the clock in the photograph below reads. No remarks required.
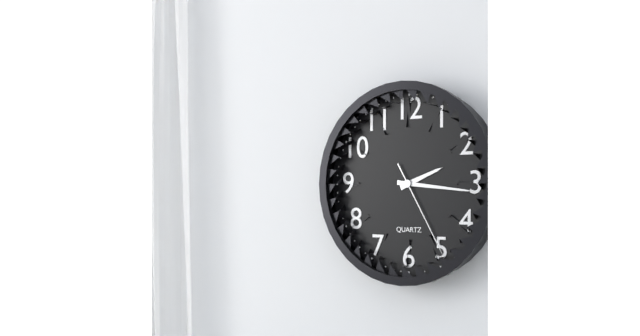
2:16:25
